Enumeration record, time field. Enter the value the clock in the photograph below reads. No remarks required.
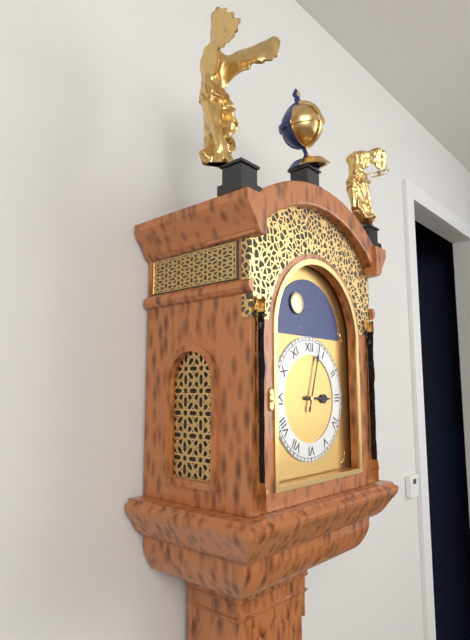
3:03
